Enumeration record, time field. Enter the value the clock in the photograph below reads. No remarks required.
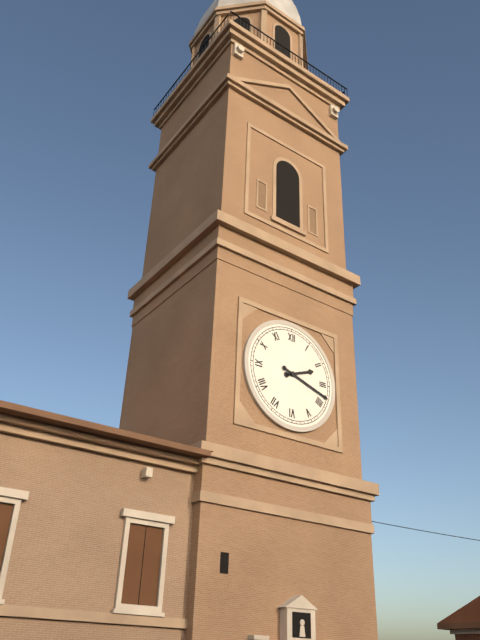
2:18
